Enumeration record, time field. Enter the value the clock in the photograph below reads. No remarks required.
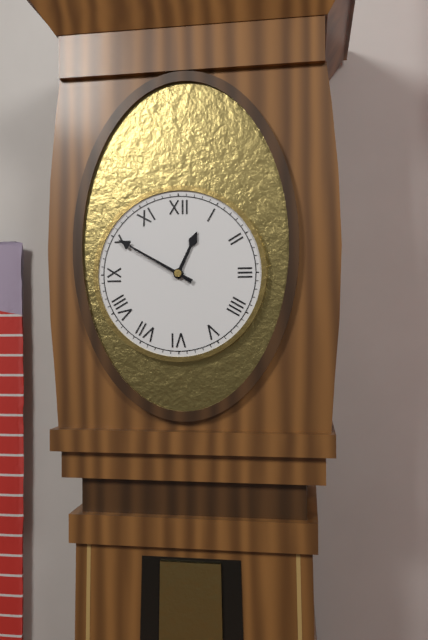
12:50
